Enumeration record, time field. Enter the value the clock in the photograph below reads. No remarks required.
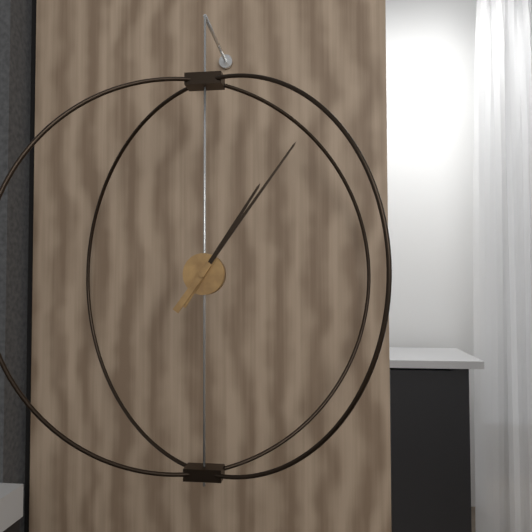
1:06
